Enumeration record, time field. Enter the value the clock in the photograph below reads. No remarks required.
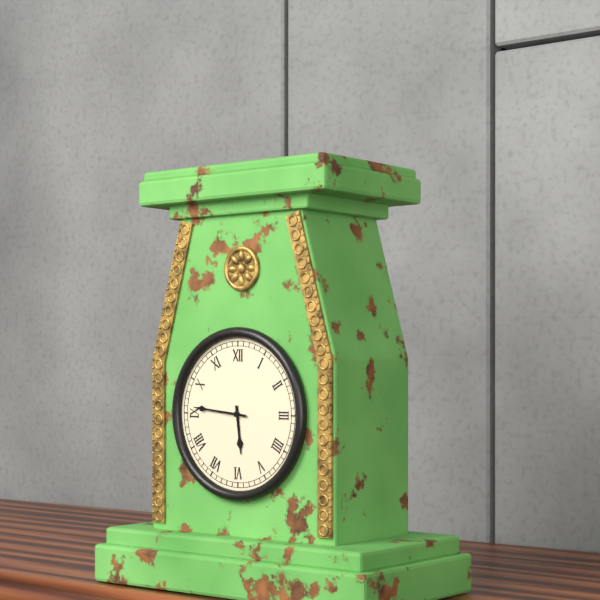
5:46
